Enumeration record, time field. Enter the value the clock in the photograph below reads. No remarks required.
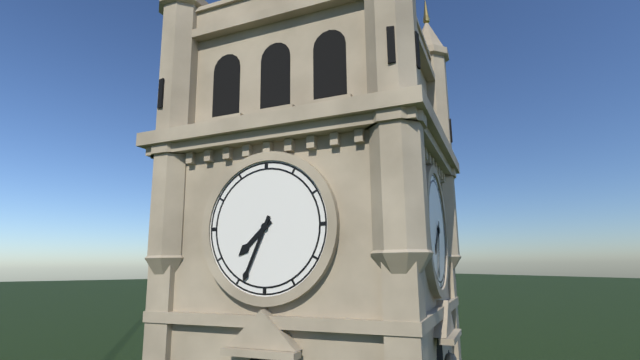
7:34
